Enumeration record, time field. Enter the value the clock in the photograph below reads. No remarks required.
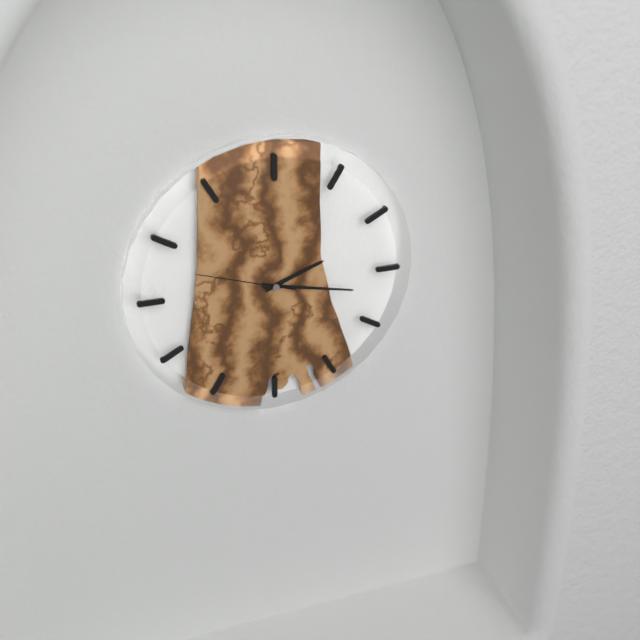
2:17:48
